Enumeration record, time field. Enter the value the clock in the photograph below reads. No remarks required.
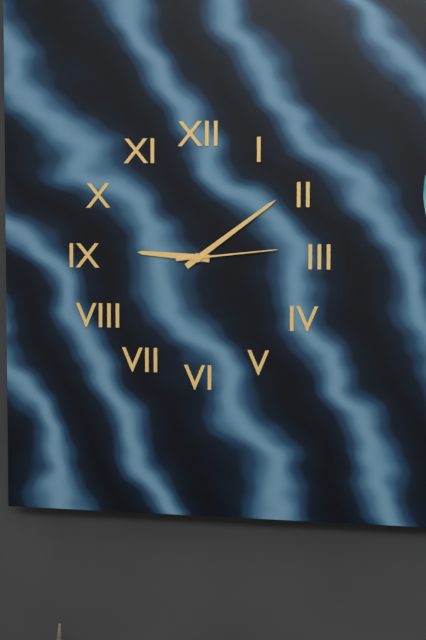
9:09:14
